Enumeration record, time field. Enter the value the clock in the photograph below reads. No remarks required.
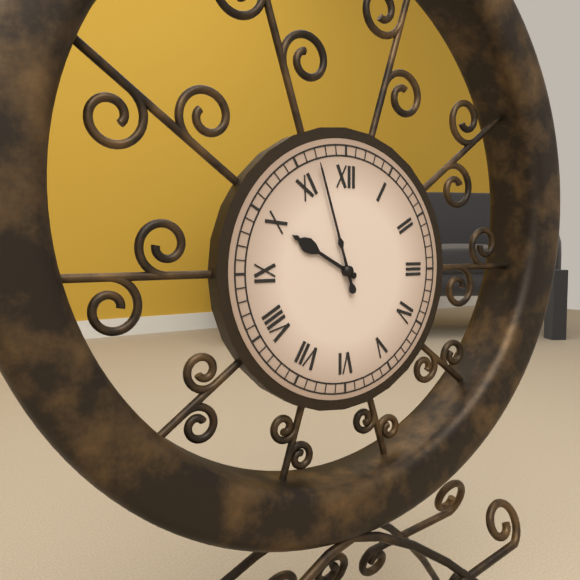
9:57
